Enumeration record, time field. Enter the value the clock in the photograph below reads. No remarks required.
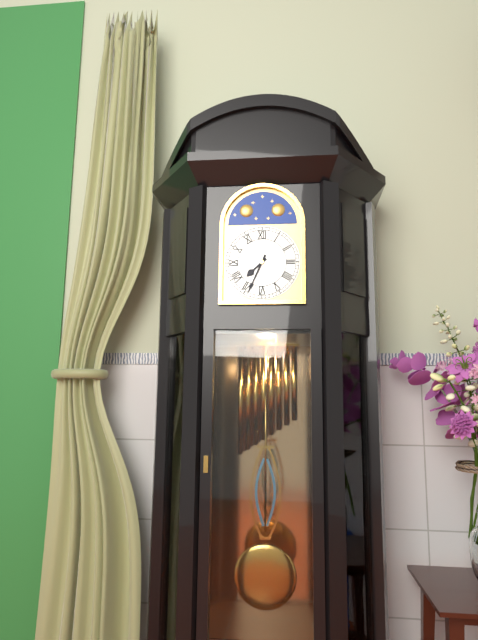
7:34
